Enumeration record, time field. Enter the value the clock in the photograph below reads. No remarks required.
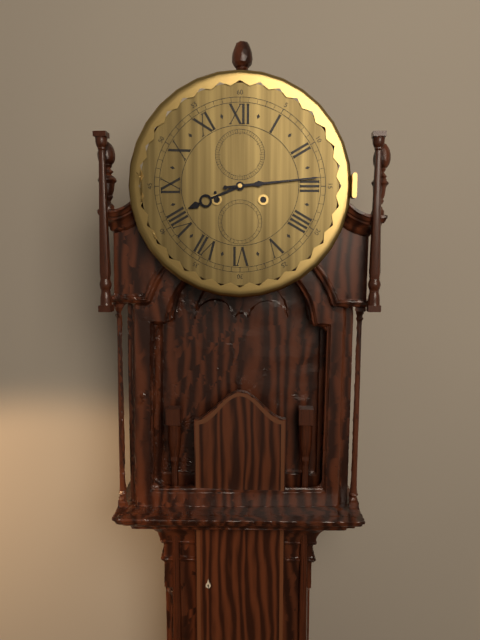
8:14
